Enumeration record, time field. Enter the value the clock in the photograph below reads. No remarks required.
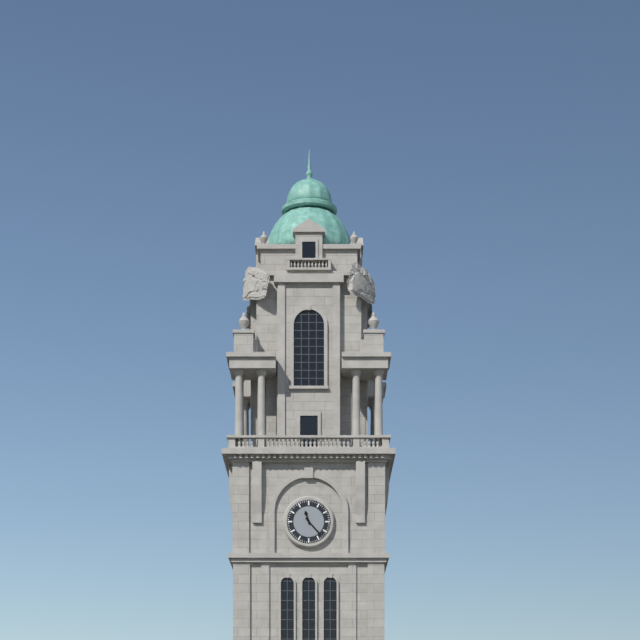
11:23
